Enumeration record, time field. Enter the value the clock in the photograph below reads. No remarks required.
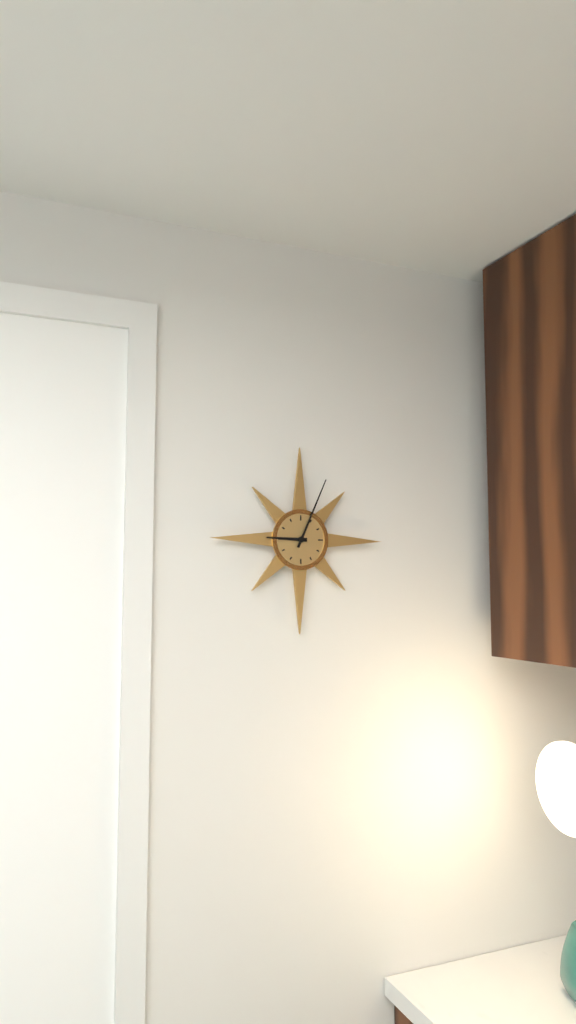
9:04
